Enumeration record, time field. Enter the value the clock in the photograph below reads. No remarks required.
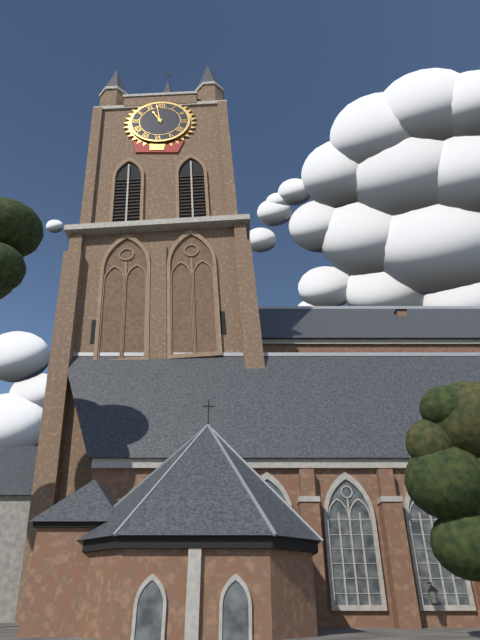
10:58
